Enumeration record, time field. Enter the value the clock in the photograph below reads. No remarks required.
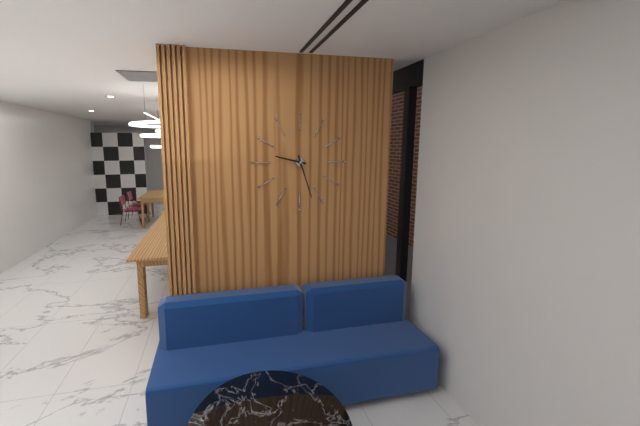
9:27
